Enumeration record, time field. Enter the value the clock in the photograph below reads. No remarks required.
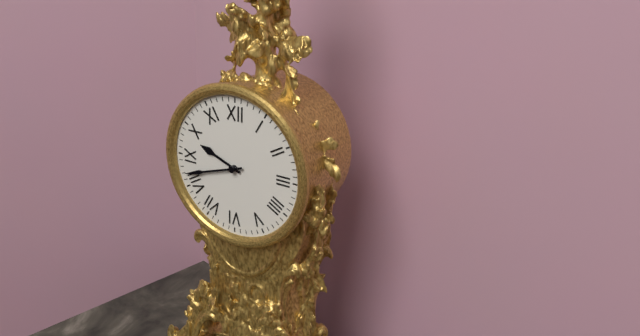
9:42
